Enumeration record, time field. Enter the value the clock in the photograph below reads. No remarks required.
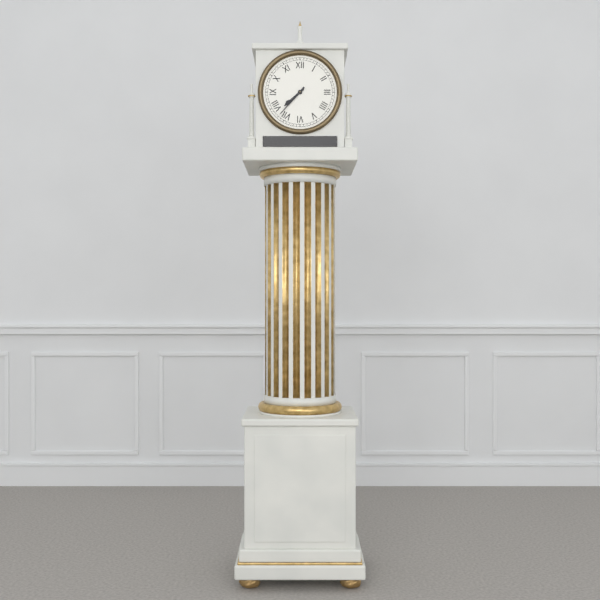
7:37
